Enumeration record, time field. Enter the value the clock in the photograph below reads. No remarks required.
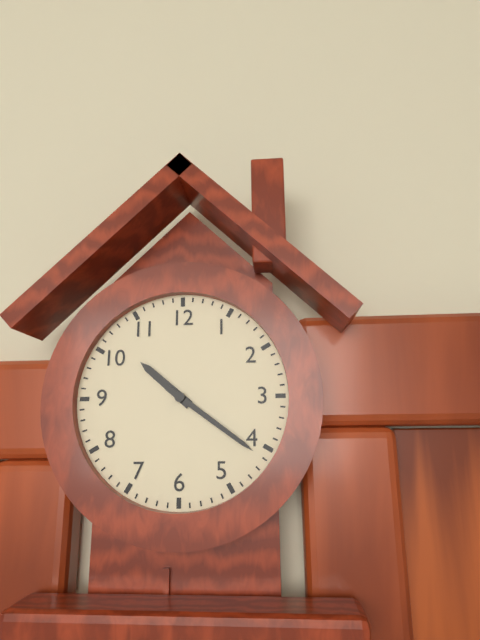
10:21
